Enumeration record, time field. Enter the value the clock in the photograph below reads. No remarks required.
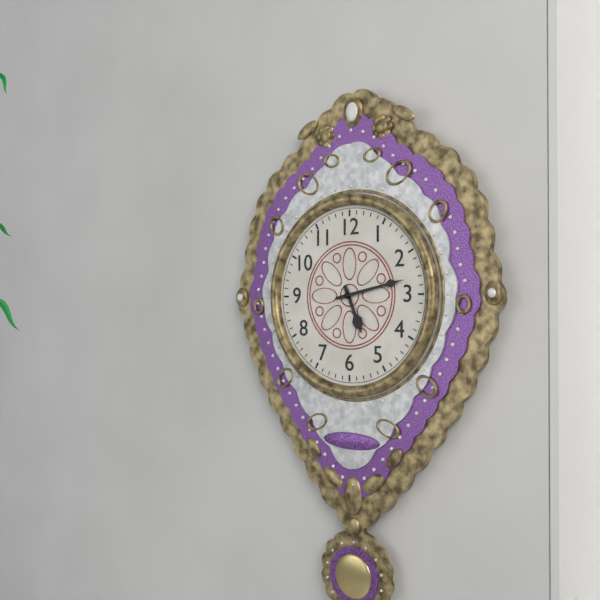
5:13
